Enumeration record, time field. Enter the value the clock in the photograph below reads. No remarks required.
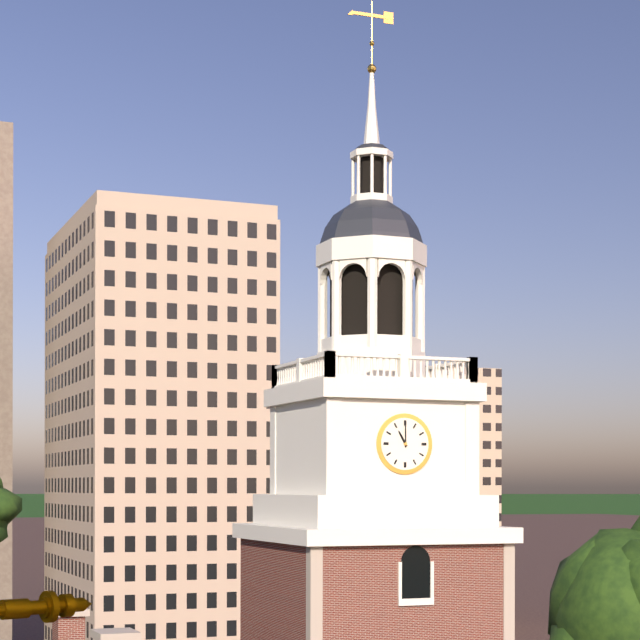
11:00
